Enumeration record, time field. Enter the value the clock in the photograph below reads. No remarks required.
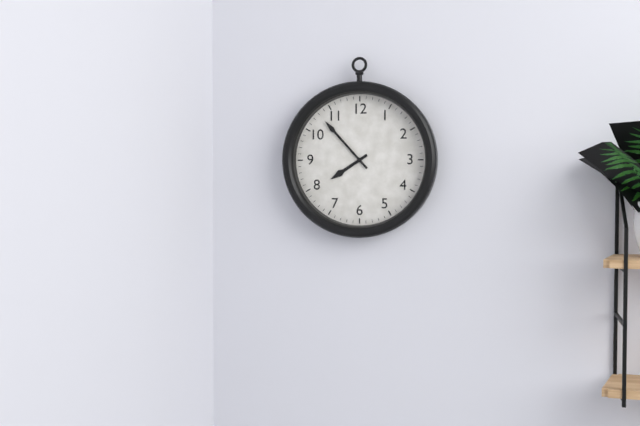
7:53
